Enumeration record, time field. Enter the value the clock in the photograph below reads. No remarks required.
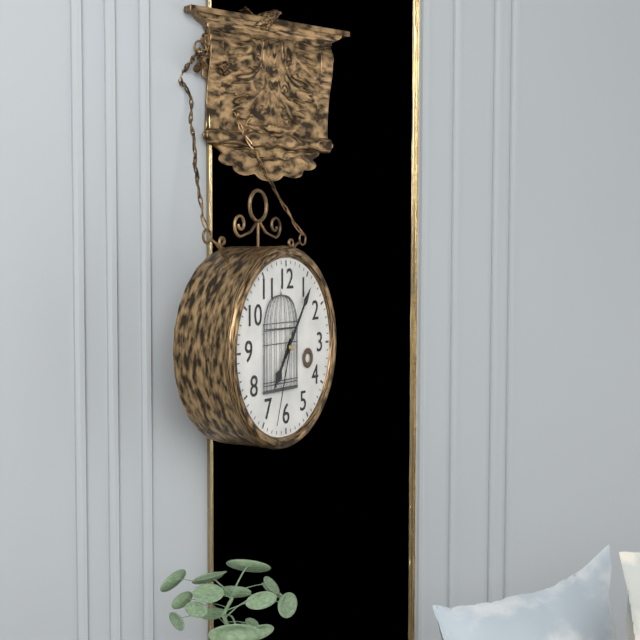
7:06:33
